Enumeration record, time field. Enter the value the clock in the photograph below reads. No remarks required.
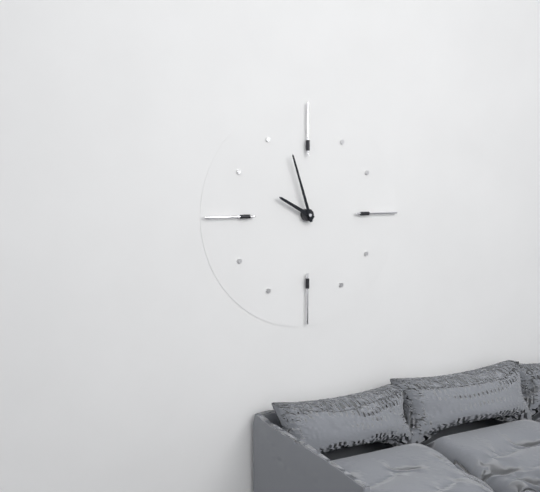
9:57
